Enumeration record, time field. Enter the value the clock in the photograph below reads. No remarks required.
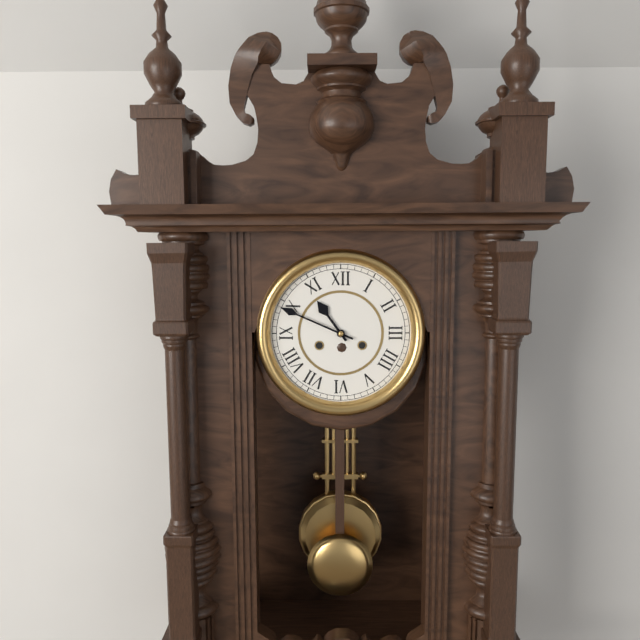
10:49
